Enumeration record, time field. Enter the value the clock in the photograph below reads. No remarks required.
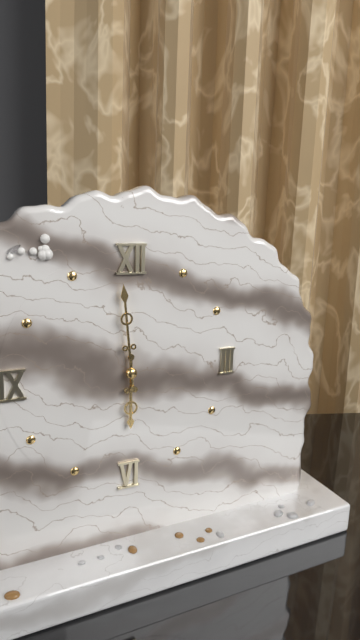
5:59
